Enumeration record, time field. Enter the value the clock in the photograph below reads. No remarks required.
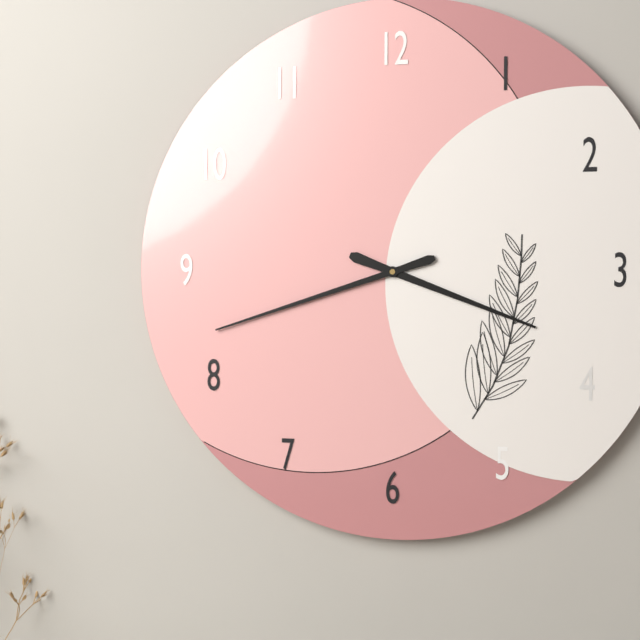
3:42
